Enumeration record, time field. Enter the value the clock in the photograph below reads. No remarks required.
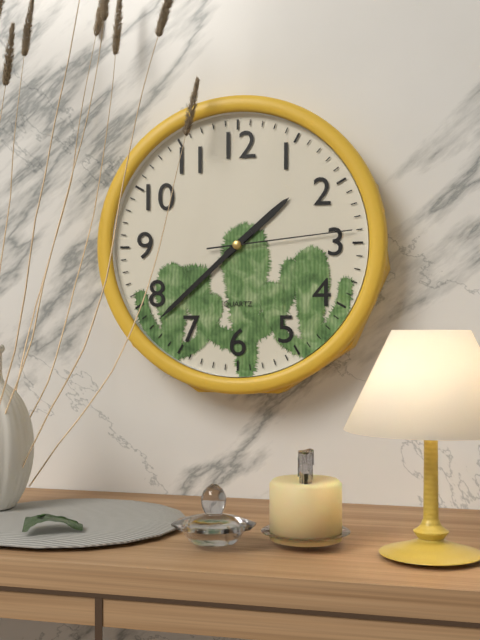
1:38:14
